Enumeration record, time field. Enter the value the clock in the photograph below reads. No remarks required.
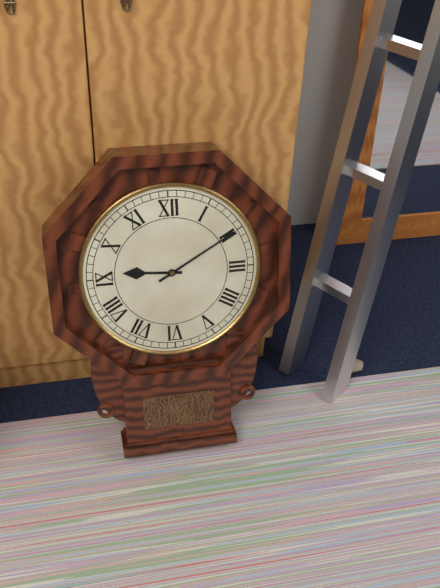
9:10
